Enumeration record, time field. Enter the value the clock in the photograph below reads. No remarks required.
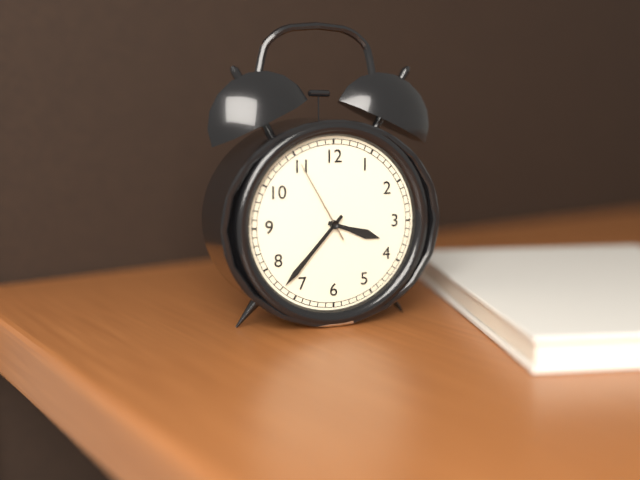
3:37:55
